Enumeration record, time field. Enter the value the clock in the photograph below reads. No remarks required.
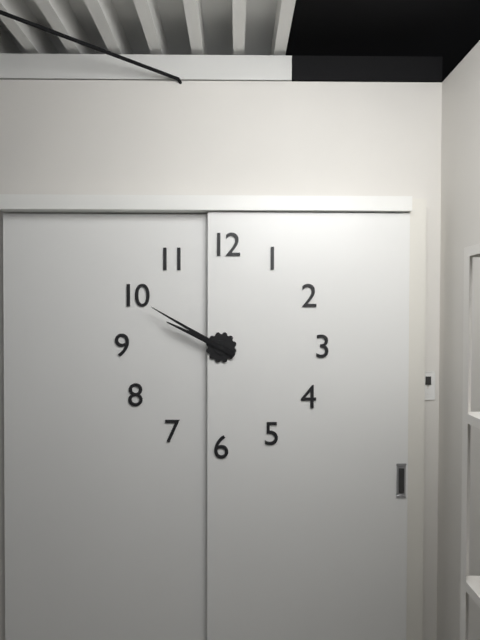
9:50
